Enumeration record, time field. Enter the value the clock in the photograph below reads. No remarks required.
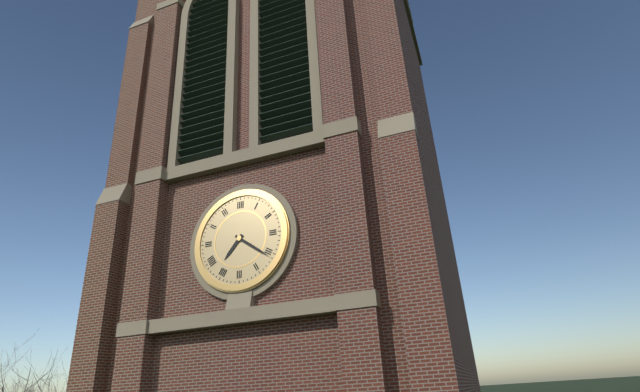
7:21
